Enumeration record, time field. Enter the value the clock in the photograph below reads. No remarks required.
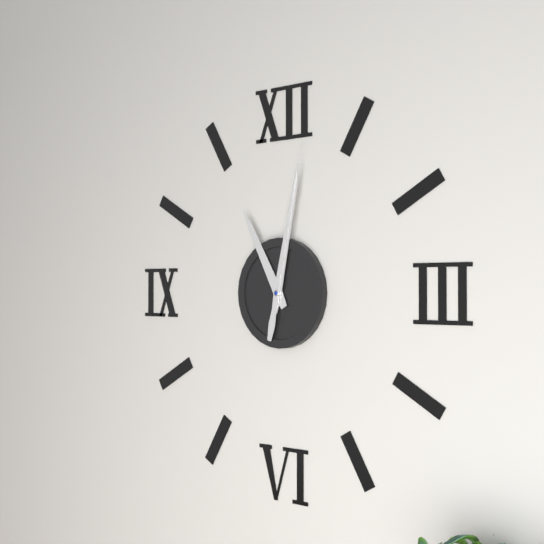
11:02:02
